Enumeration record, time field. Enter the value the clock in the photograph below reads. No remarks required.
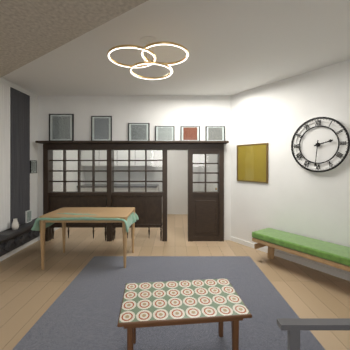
2:31
